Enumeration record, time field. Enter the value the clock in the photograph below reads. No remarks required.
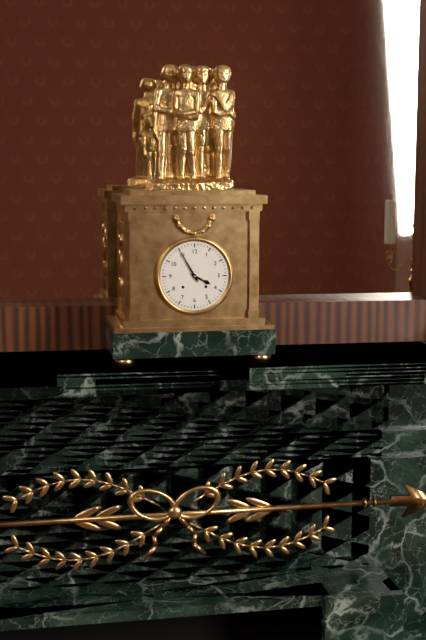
3:55
